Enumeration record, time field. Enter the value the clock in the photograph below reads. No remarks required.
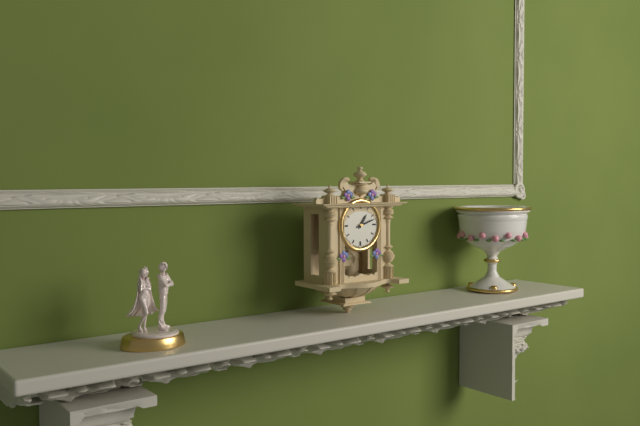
1:12
